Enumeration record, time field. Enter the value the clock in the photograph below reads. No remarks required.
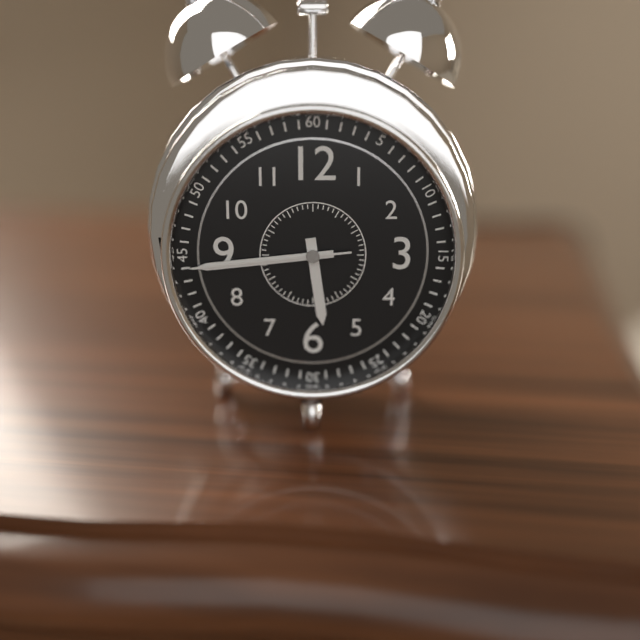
5:44:44
